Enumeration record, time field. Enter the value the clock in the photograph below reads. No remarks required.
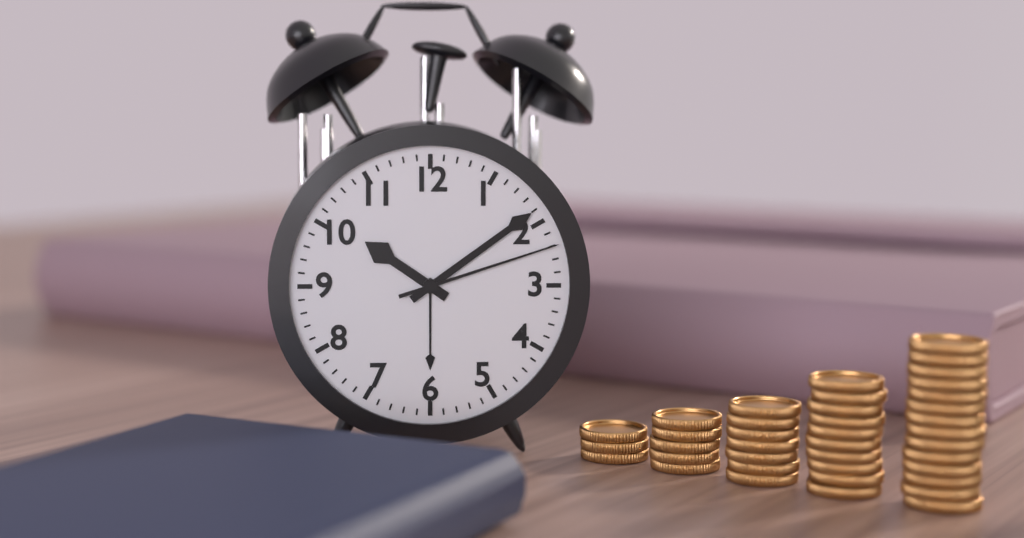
10:09:12
